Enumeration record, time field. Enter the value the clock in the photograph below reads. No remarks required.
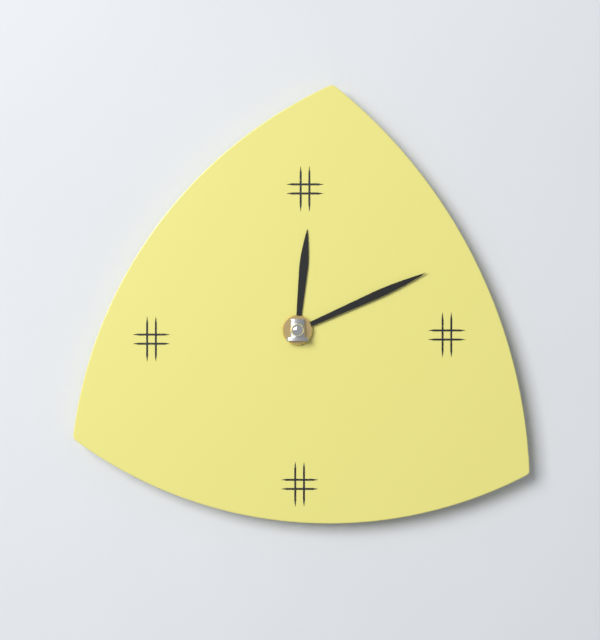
12:11
